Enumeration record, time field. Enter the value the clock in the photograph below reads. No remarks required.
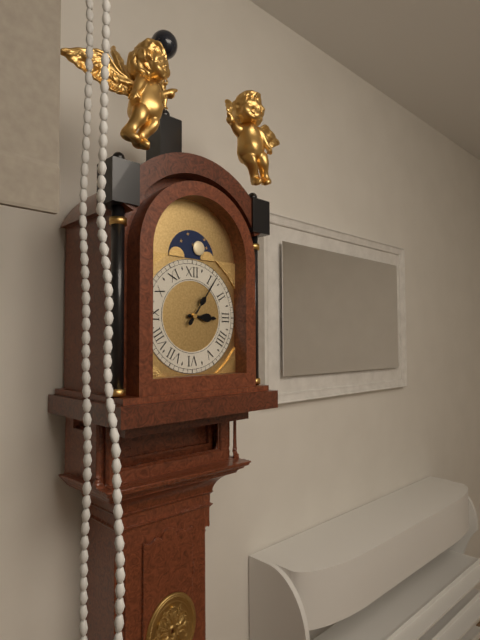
3:06
